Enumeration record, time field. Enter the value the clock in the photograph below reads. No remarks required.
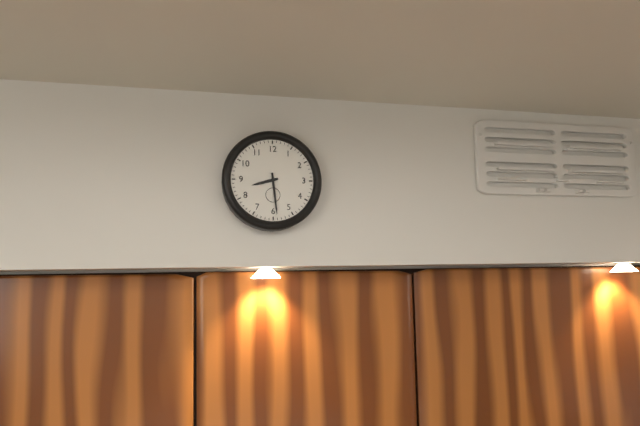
8:29
